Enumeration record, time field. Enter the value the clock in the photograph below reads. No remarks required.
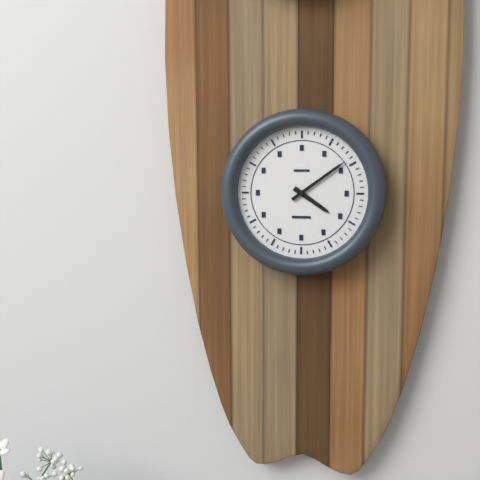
4:09
